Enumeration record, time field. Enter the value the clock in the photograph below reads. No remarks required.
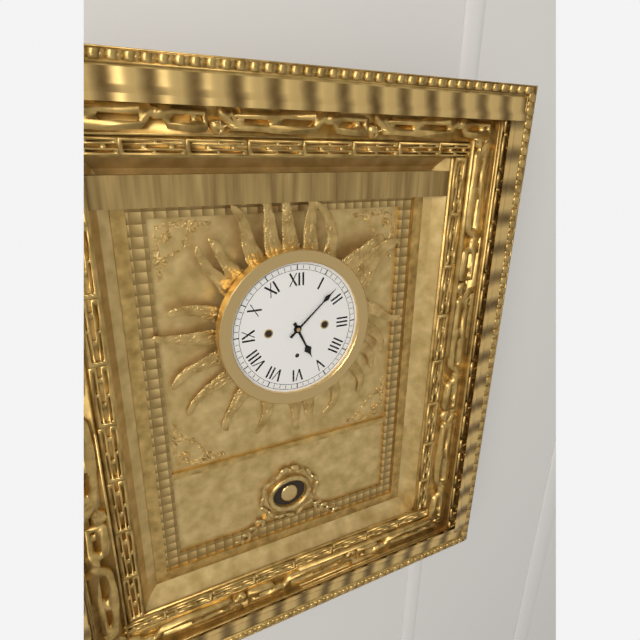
5:08
